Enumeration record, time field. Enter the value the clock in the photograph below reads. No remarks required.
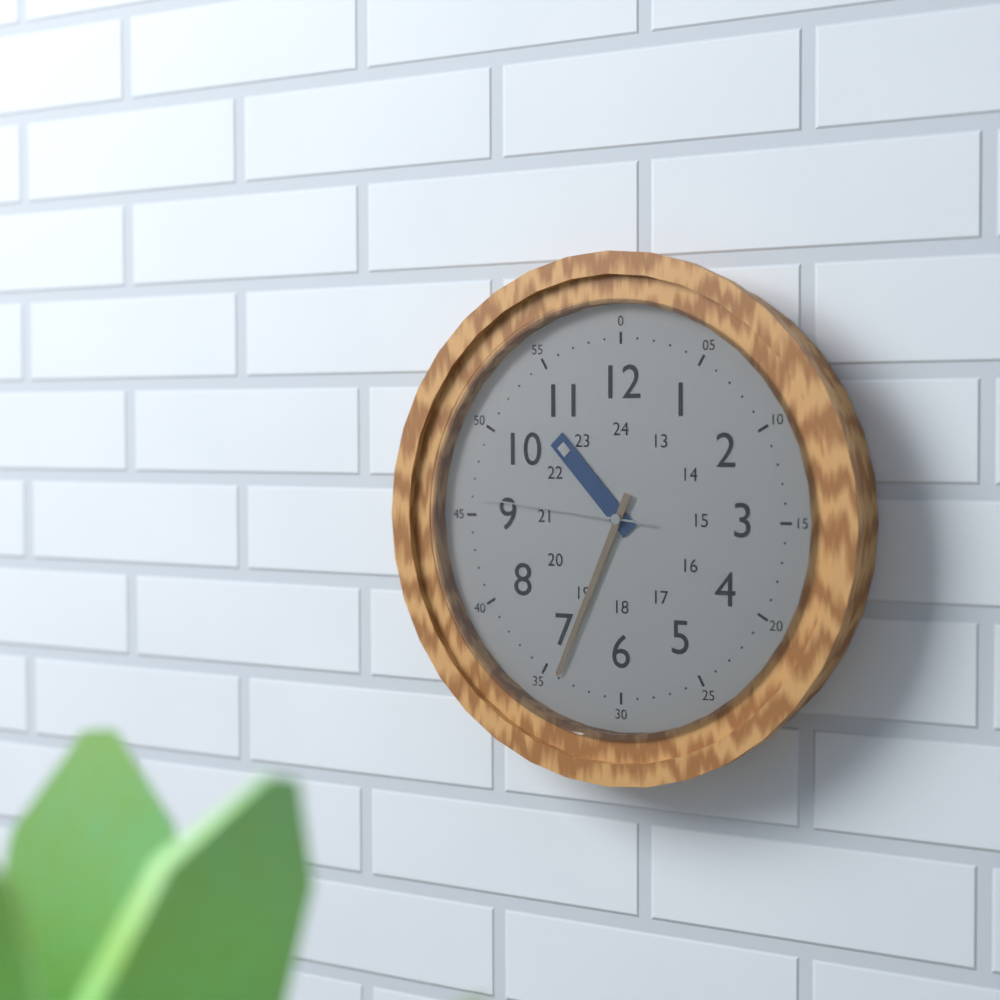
10:34:46
